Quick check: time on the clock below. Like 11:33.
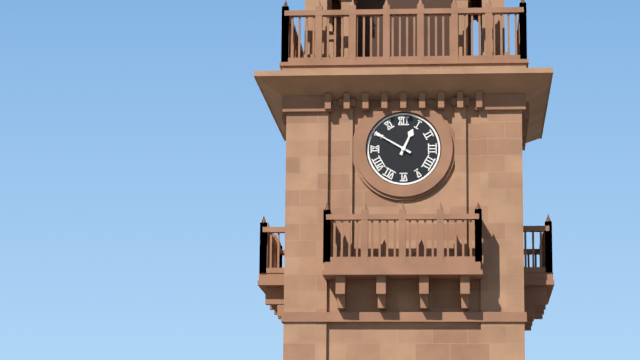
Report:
12:50
